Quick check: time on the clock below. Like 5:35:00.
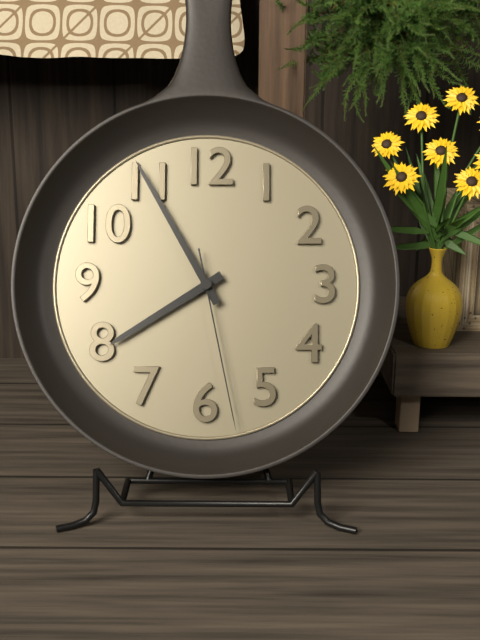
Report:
7:55:28
